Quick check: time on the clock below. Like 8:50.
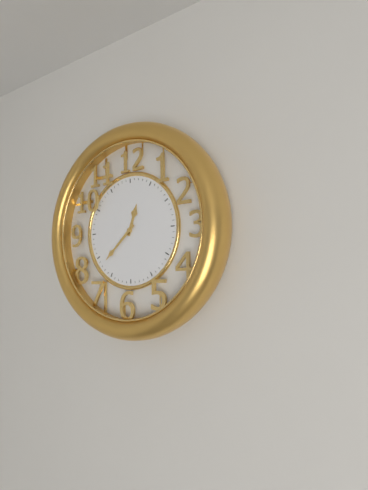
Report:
12:38
